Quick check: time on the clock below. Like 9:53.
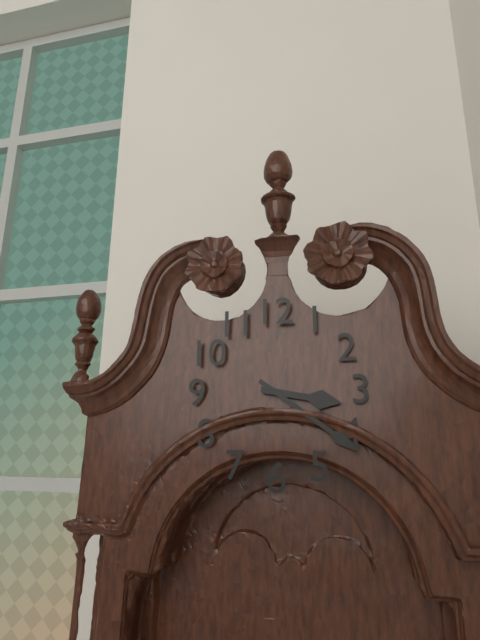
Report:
3:21
